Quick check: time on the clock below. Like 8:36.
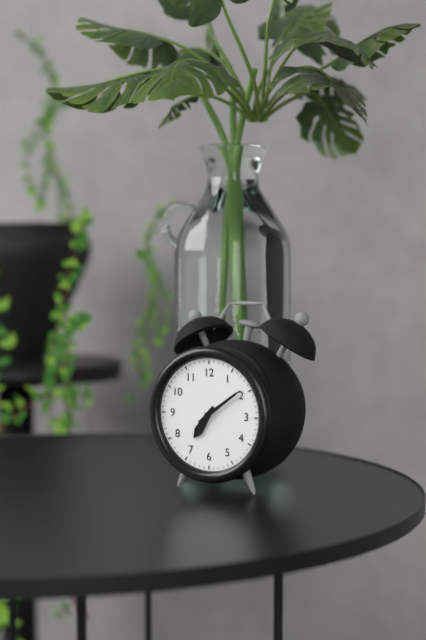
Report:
7:09
